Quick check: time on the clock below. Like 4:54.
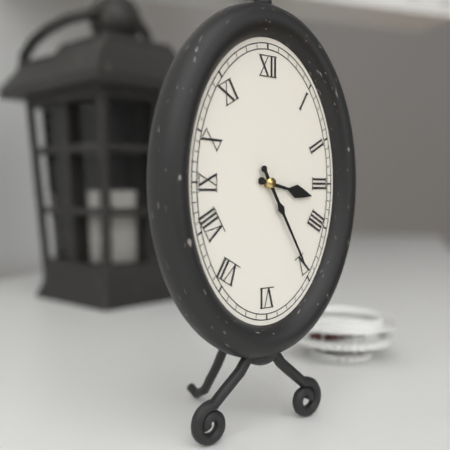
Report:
3:25
